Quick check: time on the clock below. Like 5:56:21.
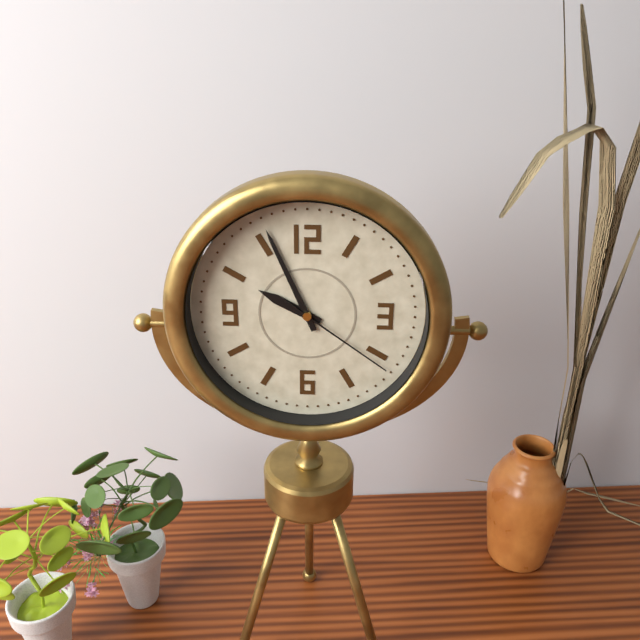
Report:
9:56:21
